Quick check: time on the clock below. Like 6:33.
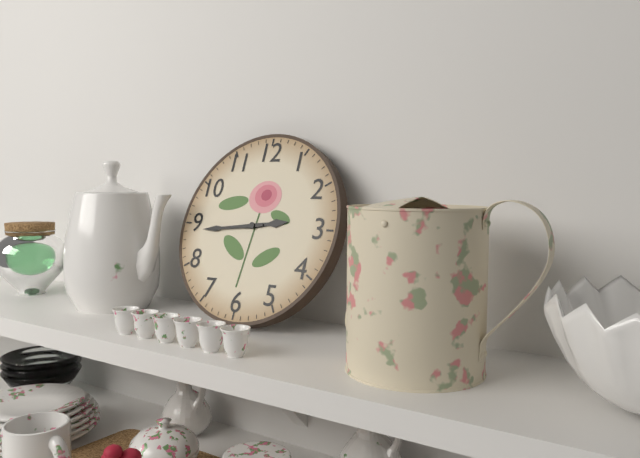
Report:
2:44
